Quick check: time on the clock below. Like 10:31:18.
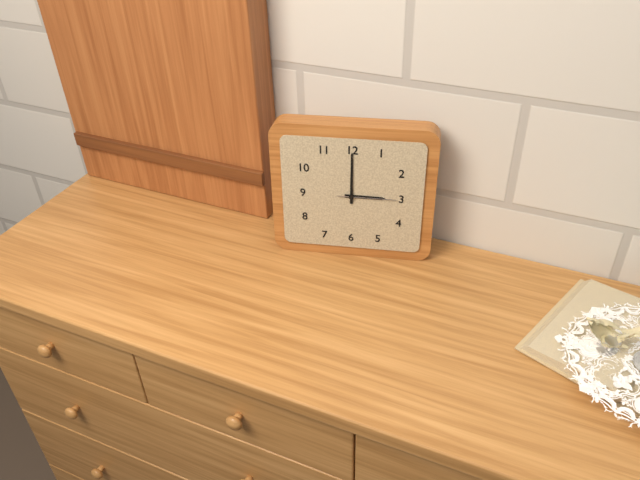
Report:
3:00:15
